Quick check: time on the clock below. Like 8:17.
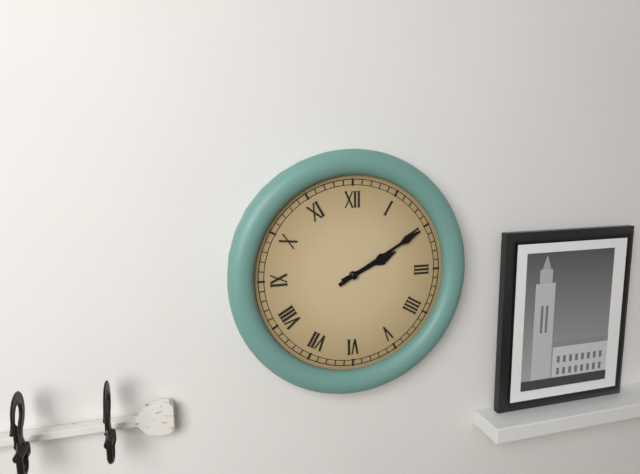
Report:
2:10
